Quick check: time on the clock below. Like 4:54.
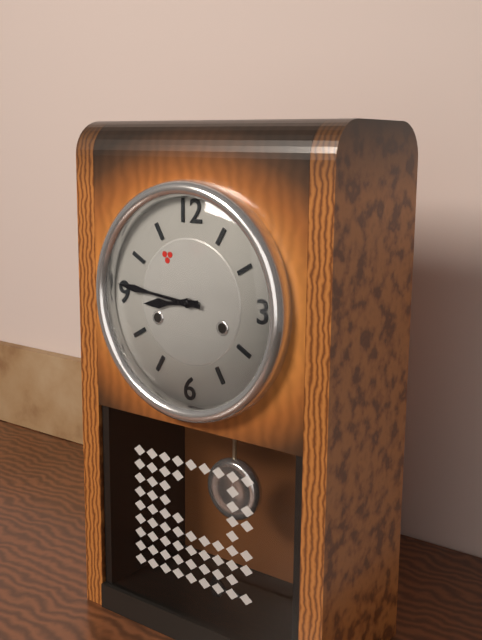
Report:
8:46
